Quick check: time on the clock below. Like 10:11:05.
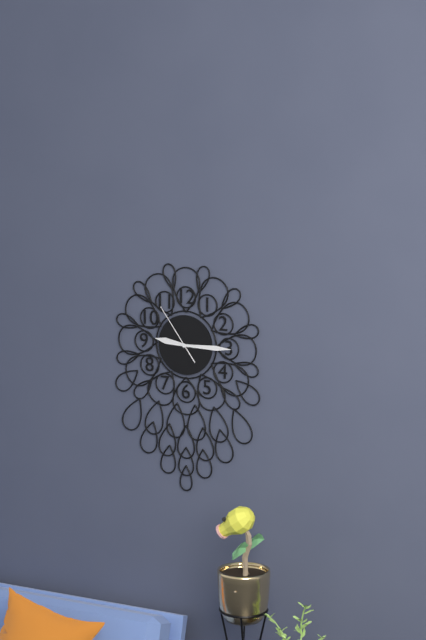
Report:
9:15:54
